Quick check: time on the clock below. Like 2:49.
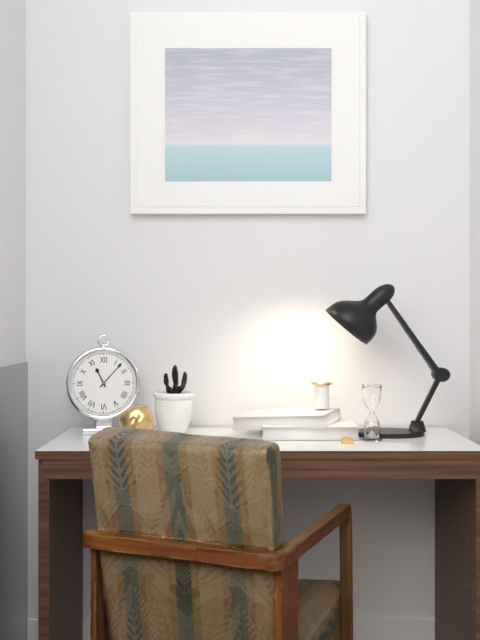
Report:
11:07
